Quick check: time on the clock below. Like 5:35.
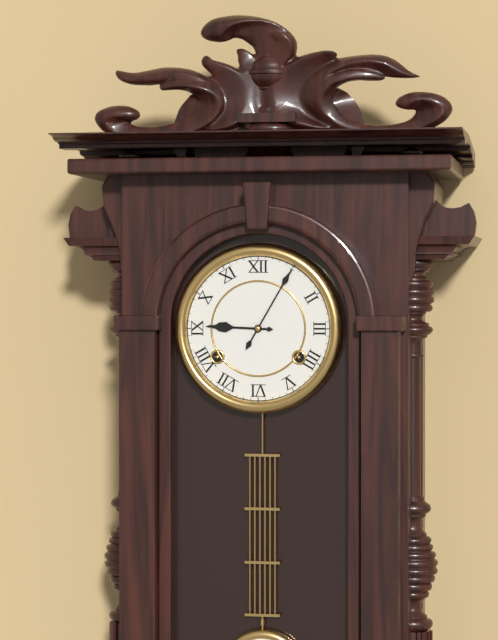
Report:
9:05
